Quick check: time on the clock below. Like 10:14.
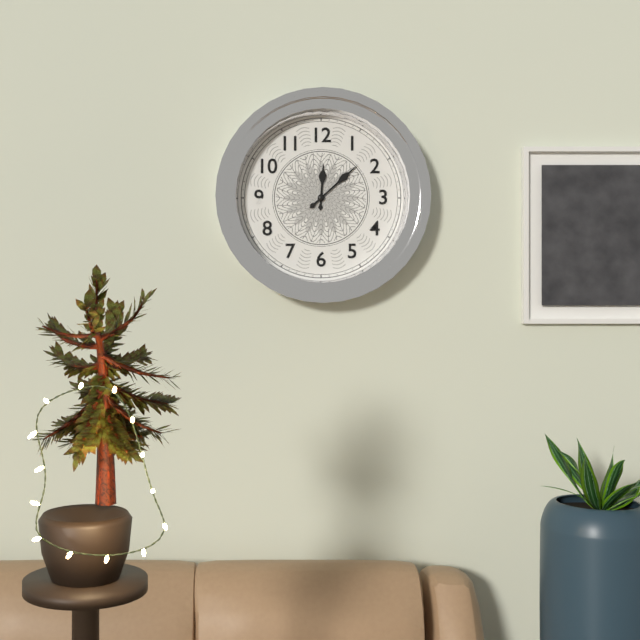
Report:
12:08
